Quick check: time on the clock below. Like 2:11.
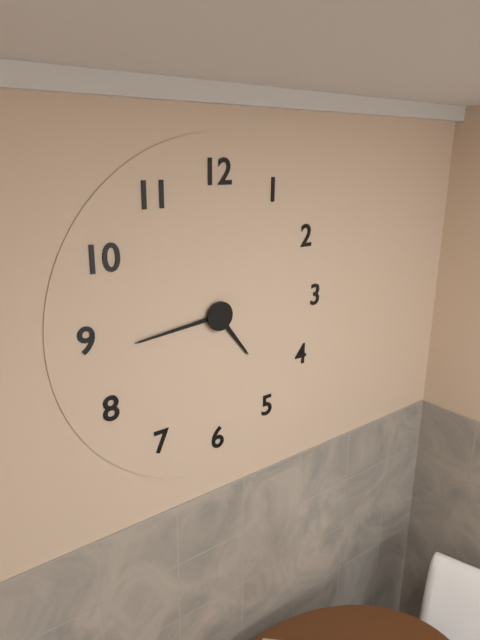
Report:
4:44
